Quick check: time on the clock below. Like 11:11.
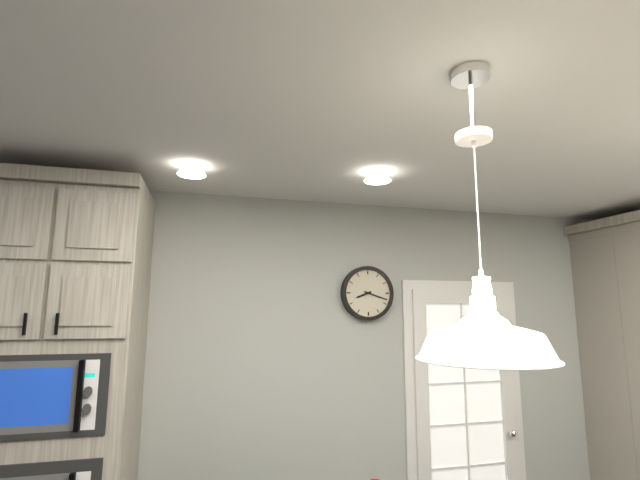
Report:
8:18
